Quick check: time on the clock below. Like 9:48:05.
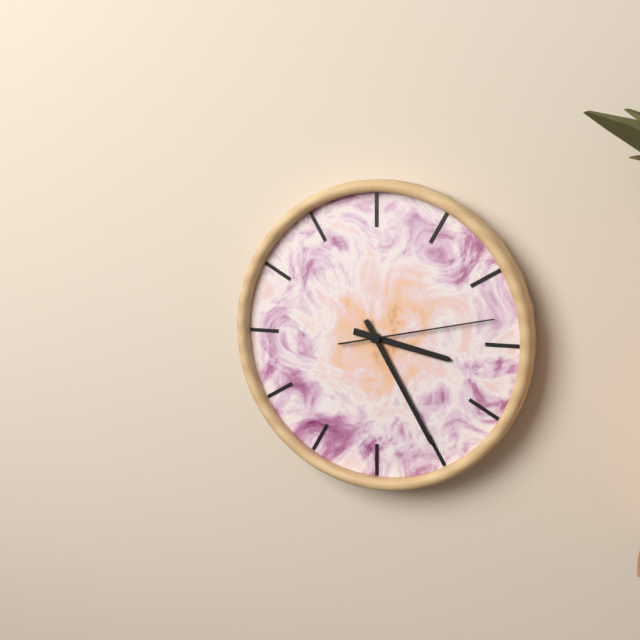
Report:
3:25:13
